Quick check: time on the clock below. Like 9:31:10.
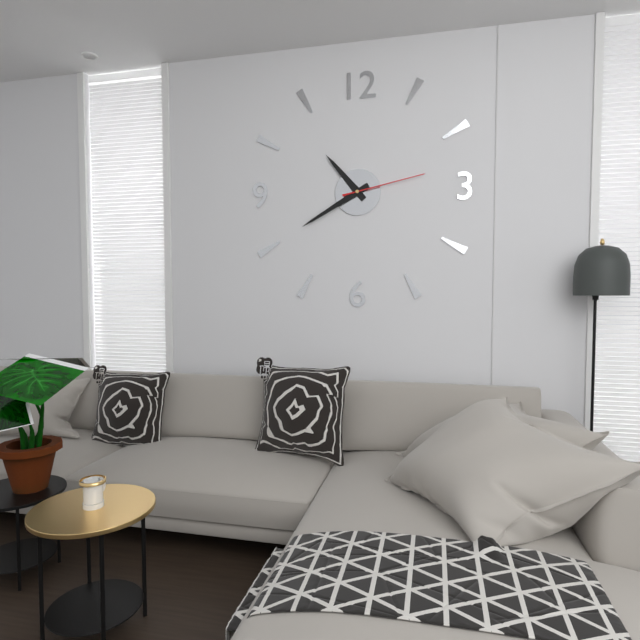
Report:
10:40:13
